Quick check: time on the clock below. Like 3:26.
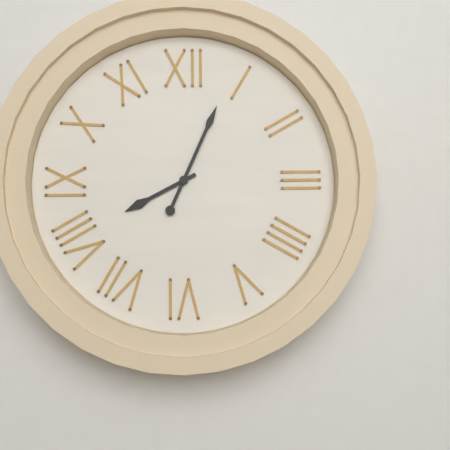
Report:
8:04
